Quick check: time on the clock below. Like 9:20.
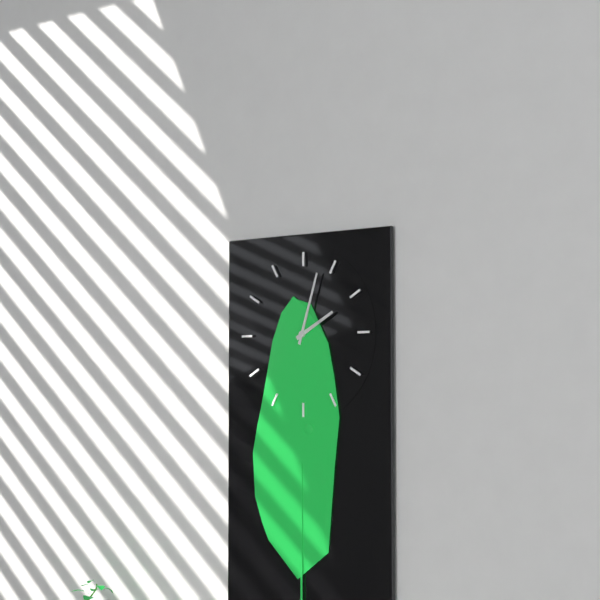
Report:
2:03
